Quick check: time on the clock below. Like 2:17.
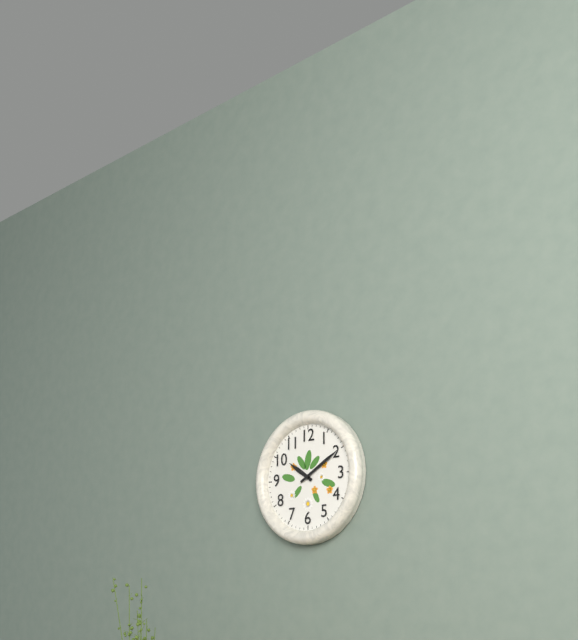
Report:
10:10
